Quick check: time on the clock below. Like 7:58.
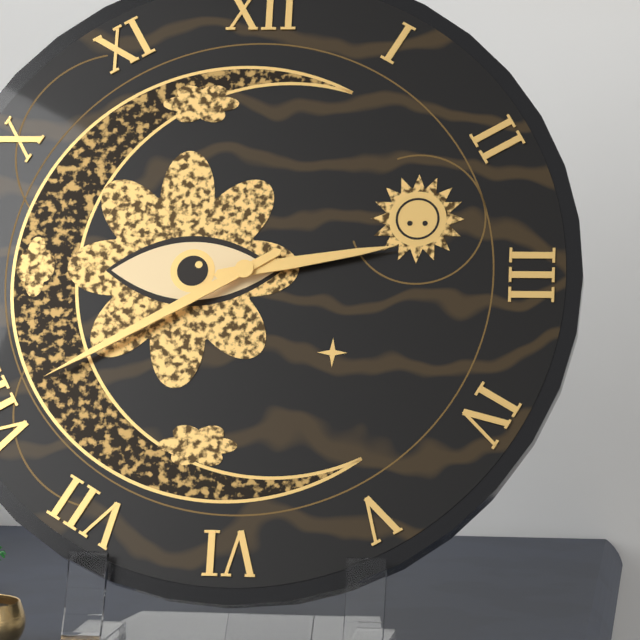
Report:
2:40
